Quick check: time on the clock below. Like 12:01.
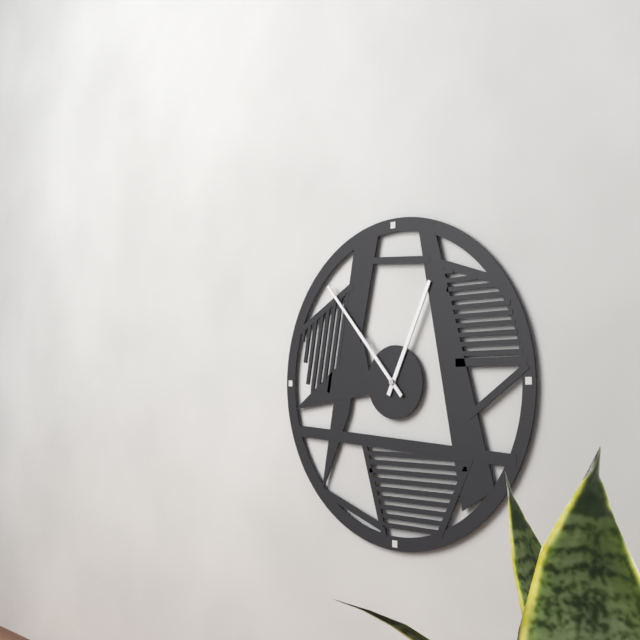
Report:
12:53
